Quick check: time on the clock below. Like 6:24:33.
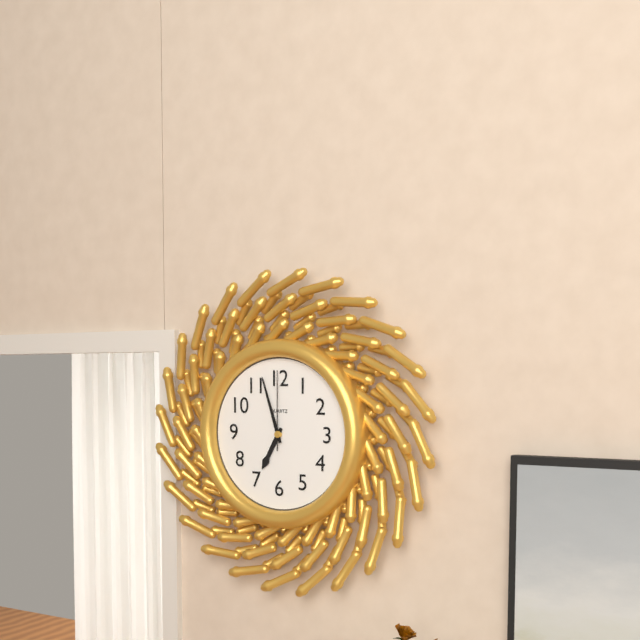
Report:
6:57:00
